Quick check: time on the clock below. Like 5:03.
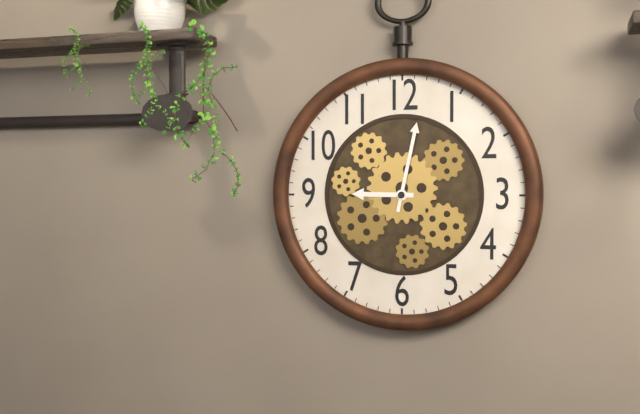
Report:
9:02
